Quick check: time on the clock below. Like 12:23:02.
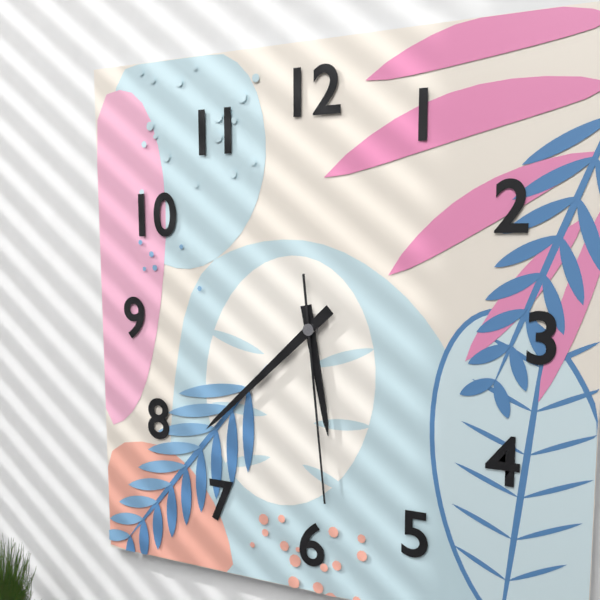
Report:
5:38:29
